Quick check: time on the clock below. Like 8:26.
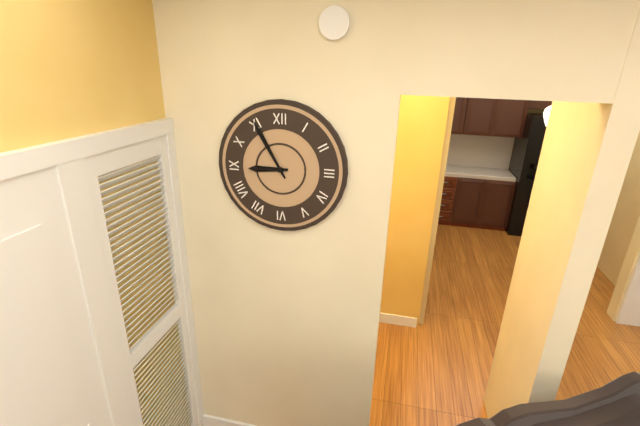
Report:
8:55
